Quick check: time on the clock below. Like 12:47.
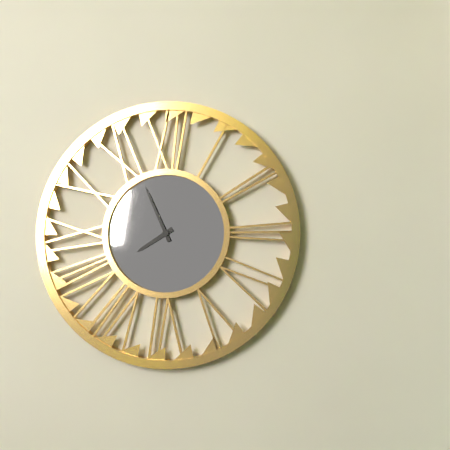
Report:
7:56
